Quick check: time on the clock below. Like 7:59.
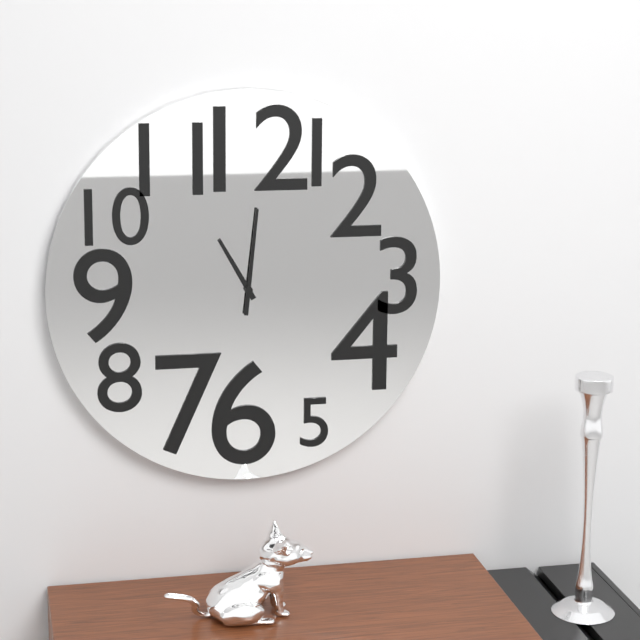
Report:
11:01
